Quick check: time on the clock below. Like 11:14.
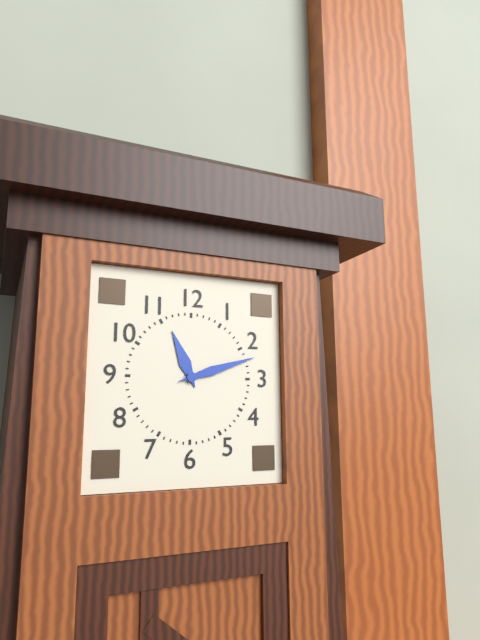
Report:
11:12
